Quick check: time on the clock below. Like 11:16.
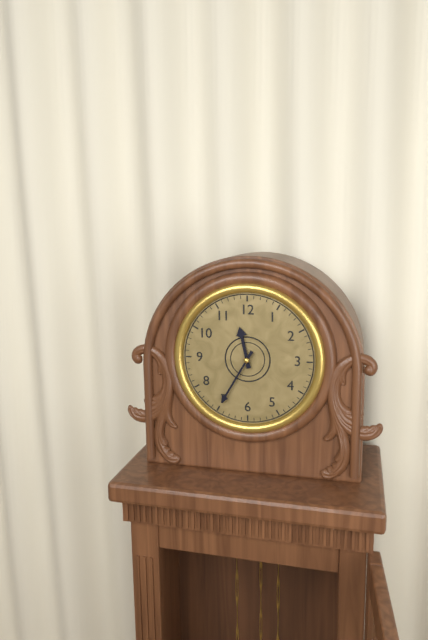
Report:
11:35
